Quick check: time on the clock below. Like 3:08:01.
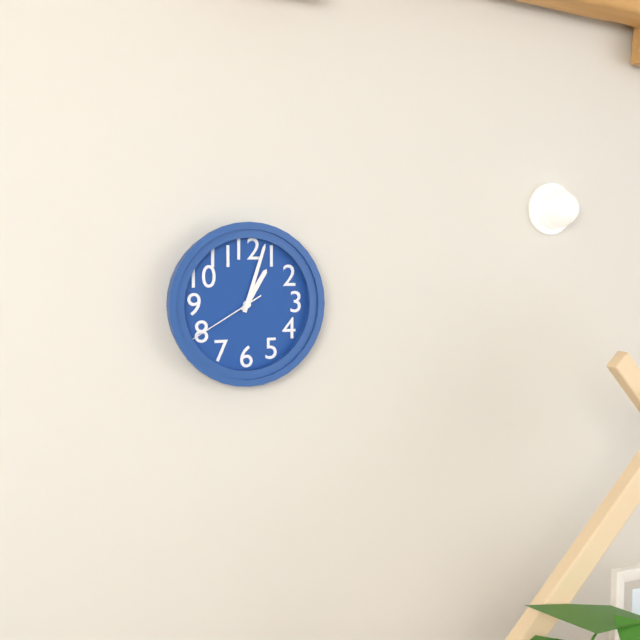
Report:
1:03:40
